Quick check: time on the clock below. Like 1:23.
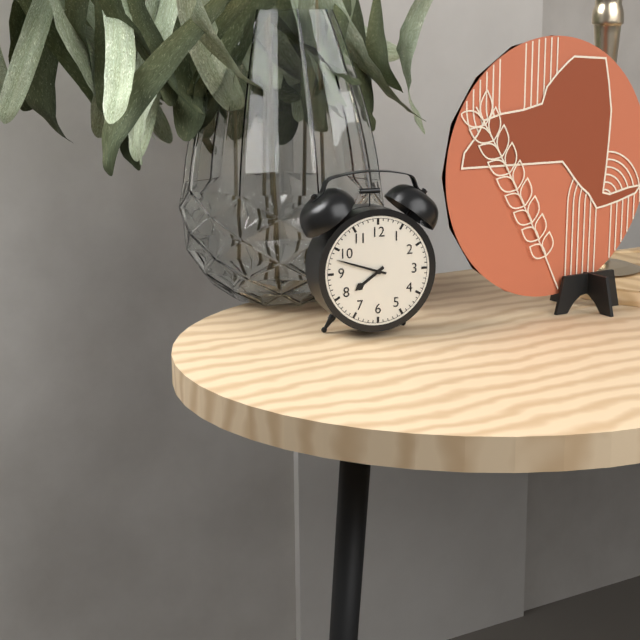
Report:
7:48
